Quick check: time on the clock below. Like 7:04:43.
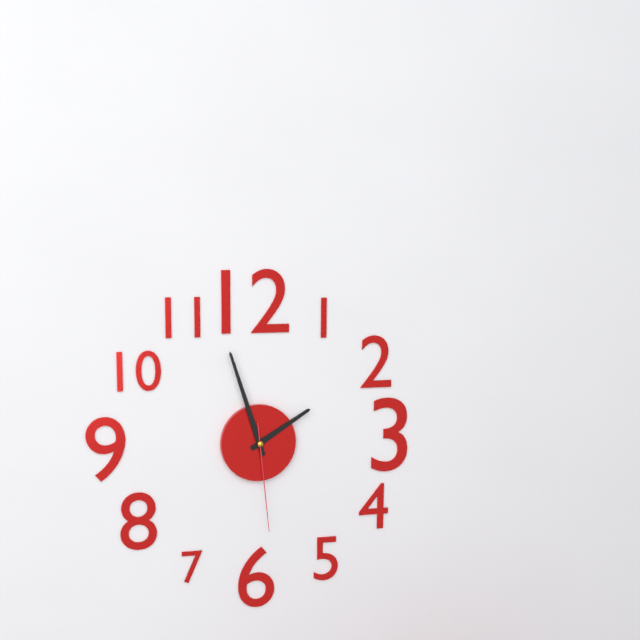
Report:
1:57:29
